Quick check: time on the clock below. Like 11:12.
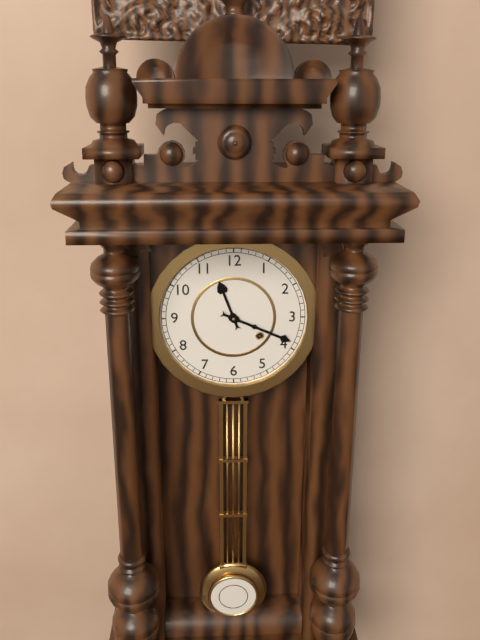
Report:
11:19
